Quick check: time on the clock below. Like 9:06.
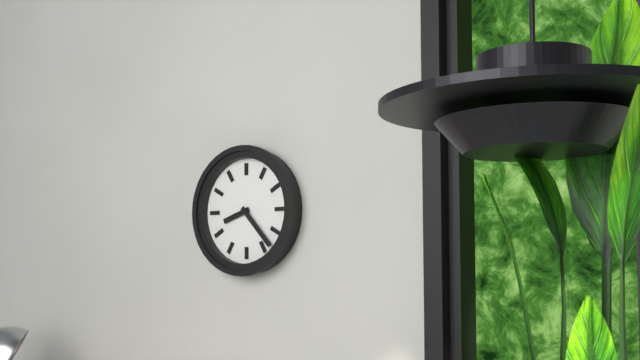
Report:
8:23
